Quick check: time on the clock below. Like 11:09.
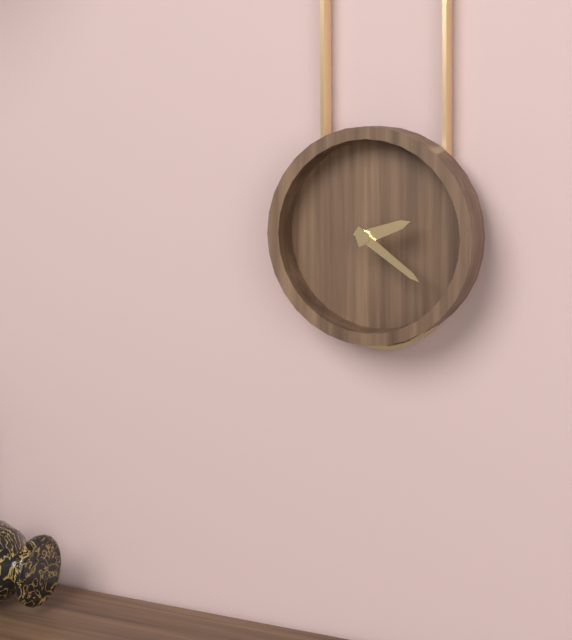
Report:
2:21
